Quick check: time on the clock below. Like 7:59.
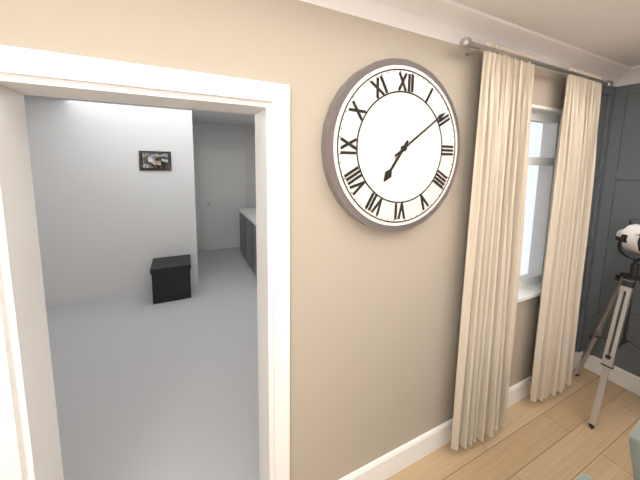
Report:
7:09
